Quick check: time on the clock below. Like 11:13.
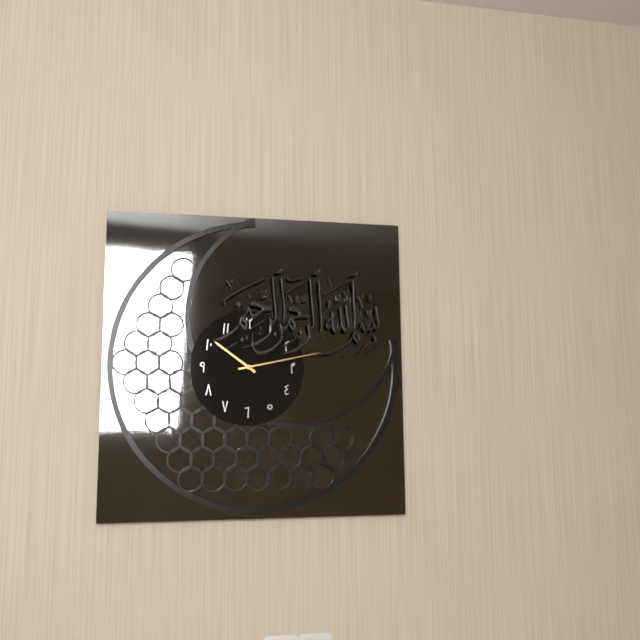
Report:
10:13
